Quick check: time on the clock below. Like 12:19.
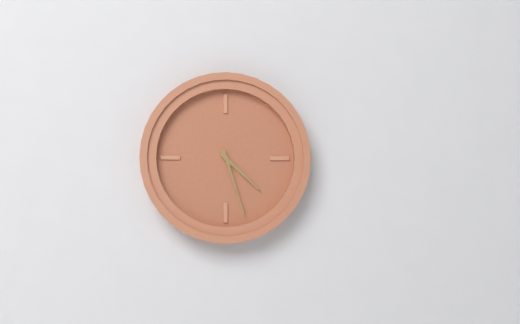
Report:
4:27
